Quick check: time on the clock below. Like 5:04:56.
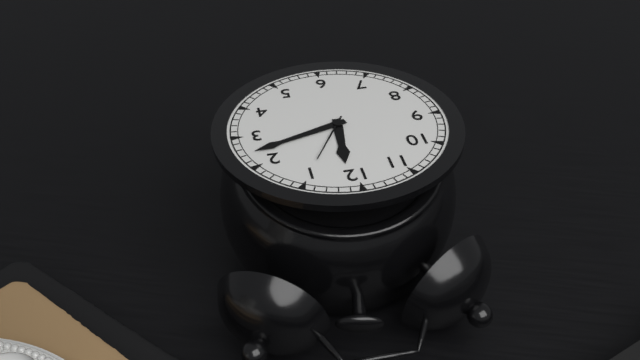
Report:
12:12:05
